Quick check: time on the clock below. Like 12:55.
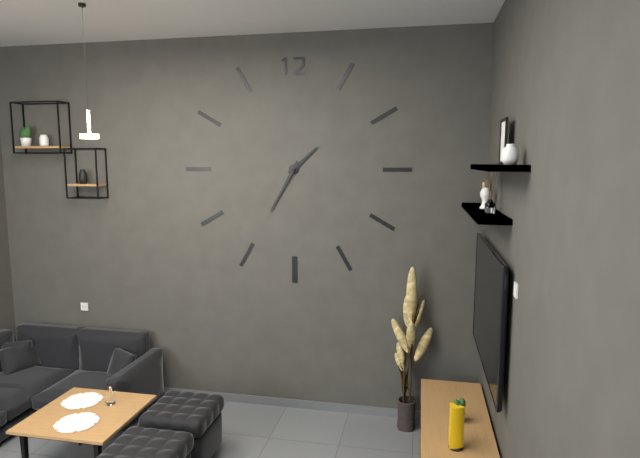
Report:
1:35
